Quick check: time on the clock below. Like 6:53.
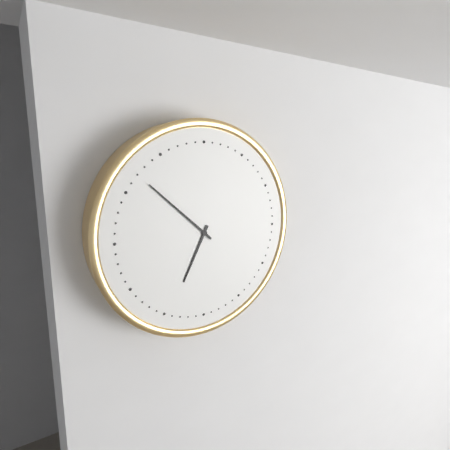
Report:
6:52
